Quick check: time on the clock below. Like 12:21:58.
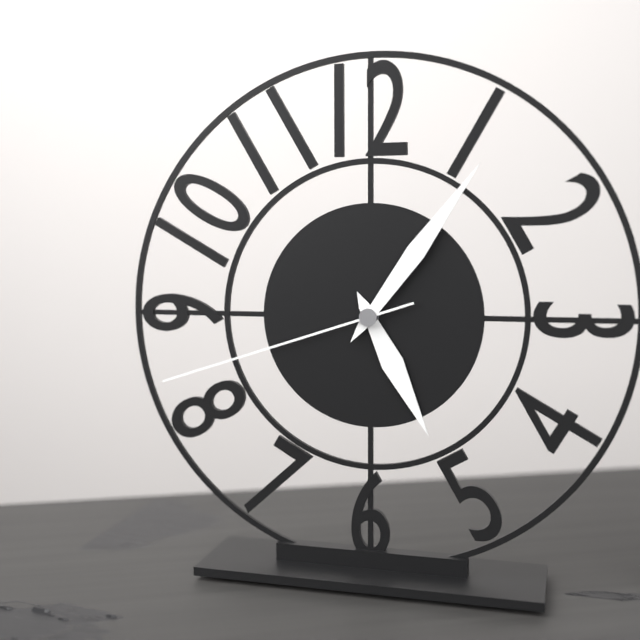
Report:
5:06:42
